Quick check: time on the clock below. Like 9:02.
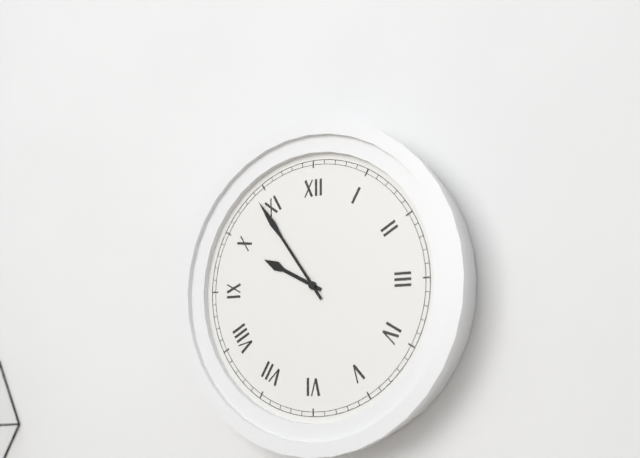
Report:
9:54
